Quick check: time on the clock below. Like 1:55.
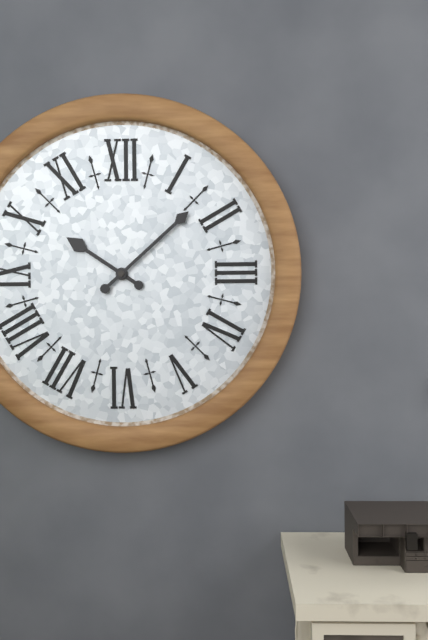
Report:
10:08
